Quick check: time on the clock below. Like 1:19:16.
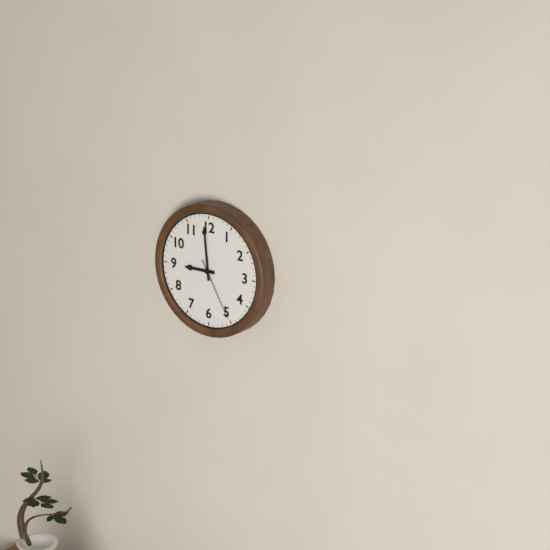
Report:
8:59:25
